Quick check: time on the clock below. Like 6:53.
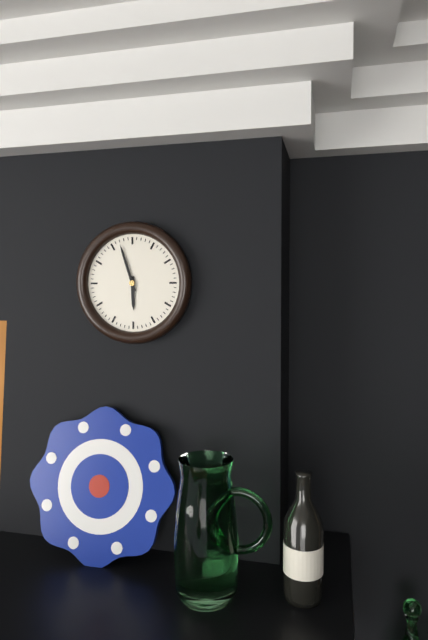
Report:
5:57
